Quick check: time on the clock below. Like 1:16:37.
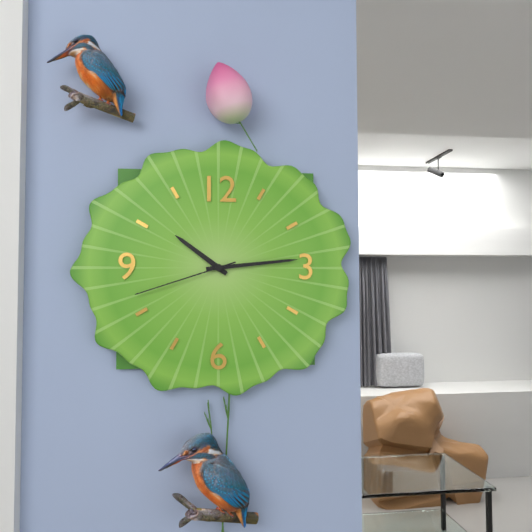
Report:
10:14:42
